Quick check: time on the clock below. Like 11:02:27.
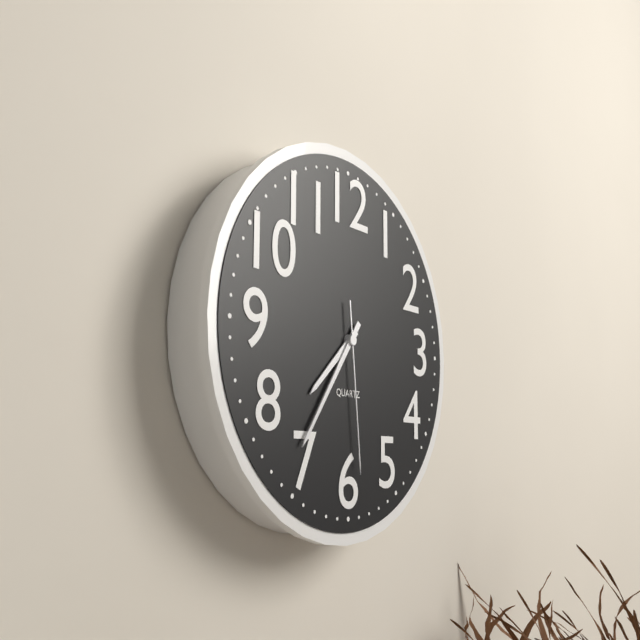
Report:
7:36:29
